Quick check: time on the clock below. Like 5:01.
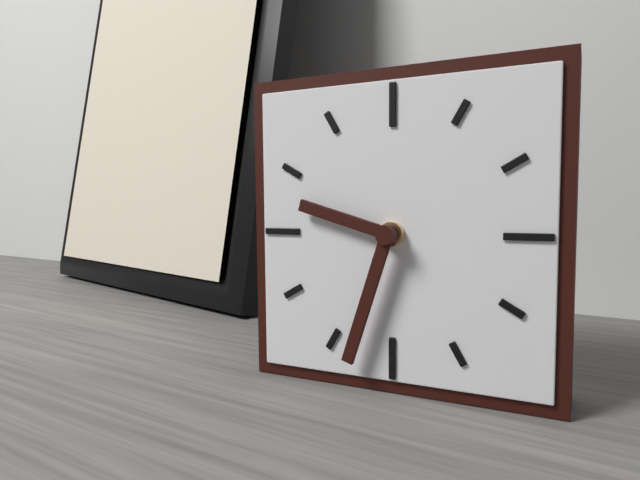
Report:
9:33
